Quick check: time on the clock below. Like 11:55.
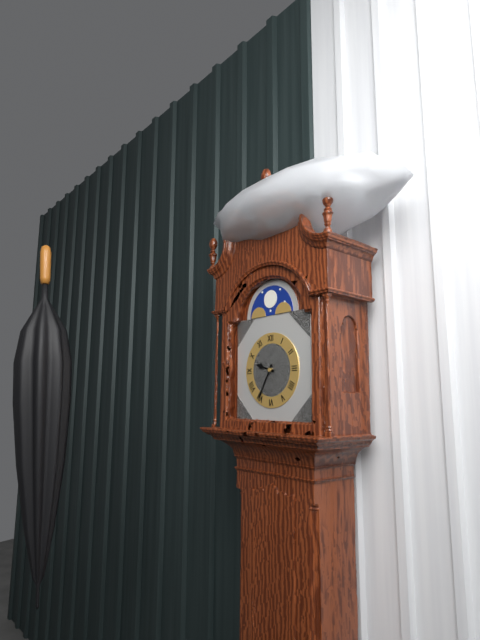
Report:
9:35
